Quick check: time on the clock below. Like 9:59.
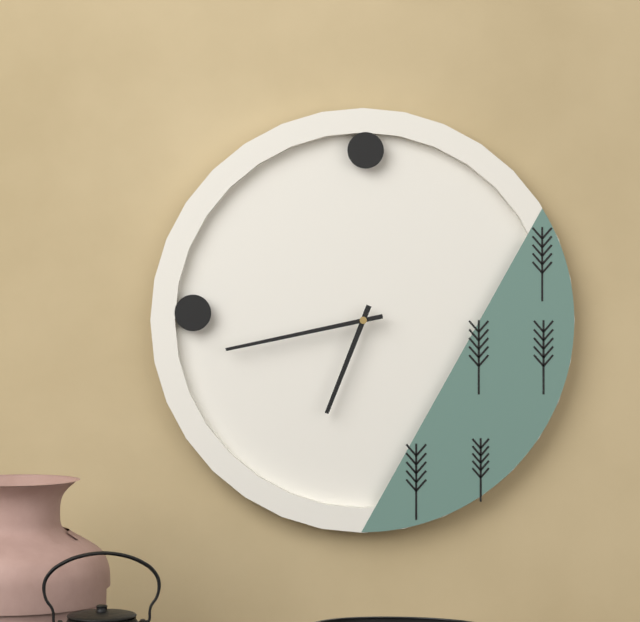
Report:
6:43
